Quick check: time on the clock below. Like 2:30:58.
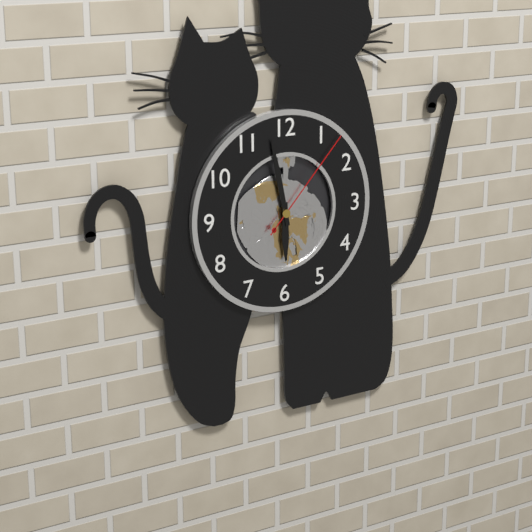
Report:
5:58:07
